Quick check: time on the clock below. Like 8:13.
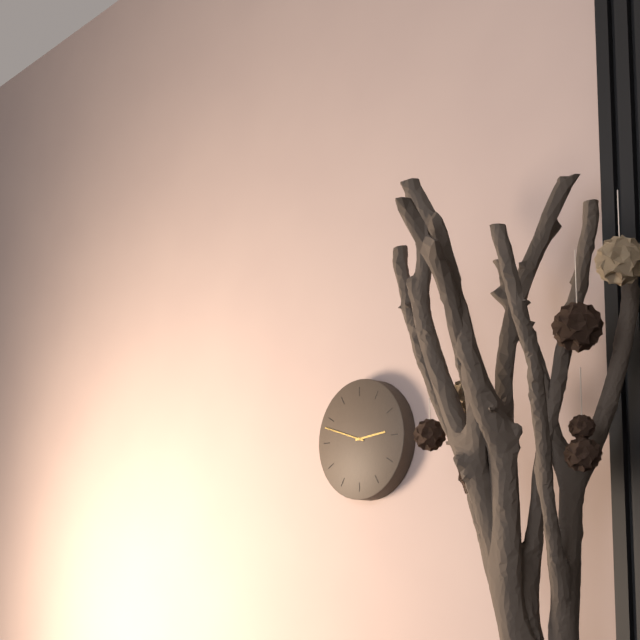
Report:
2:48
